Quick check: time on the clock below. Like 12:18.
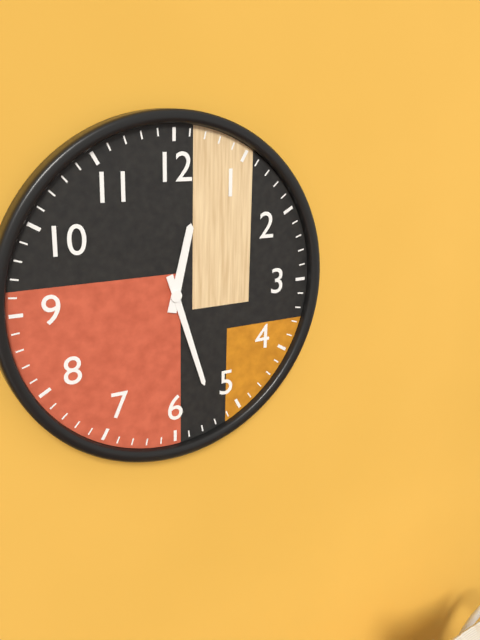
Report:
12:27
